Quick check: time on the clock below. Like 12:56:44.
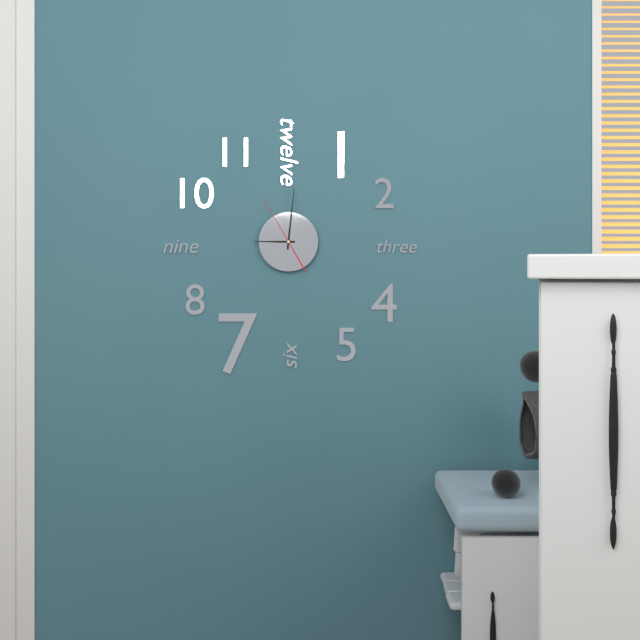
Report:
9:01:55
